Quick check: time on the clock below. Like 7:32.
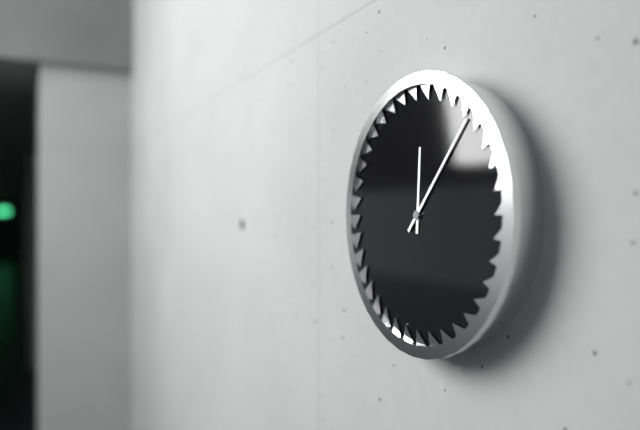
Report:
12:07
